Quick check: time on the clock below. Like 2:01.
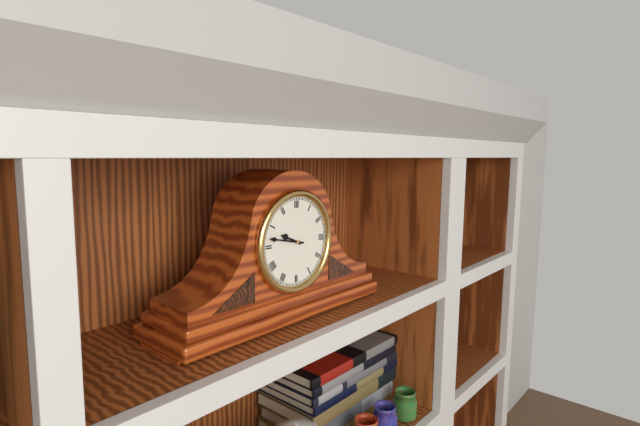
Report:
9:47
